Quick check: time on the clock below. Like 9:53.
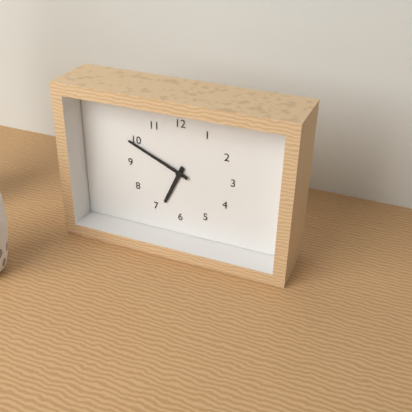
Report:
6:49
